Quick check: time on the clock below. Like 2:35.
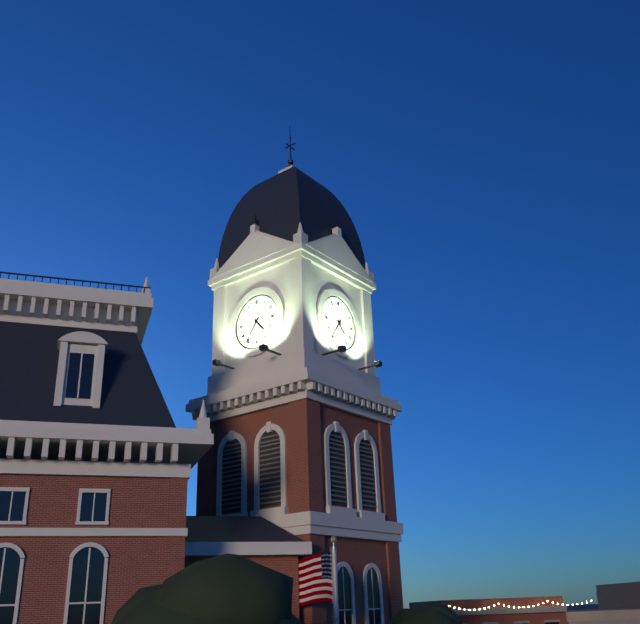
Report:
4:36
